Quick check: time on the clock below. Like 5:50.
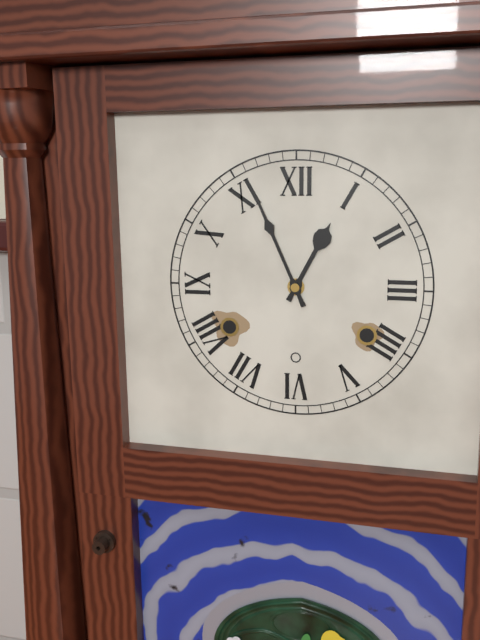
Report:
12:56
